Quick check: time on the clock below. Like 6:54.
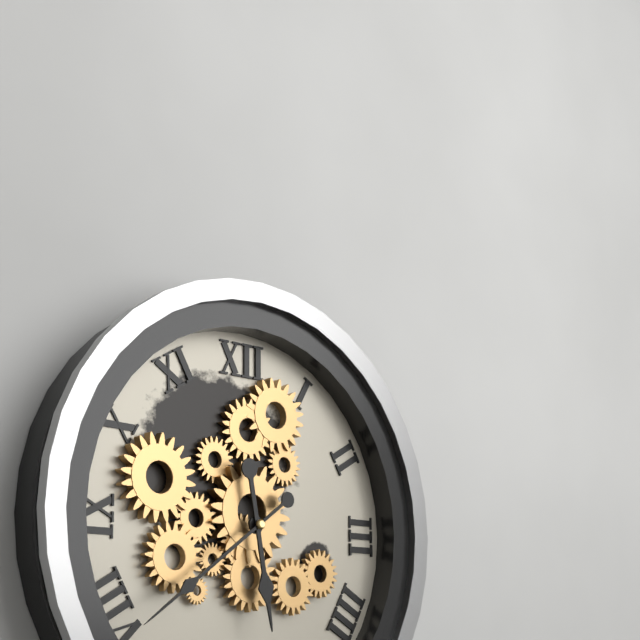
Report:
5:39
